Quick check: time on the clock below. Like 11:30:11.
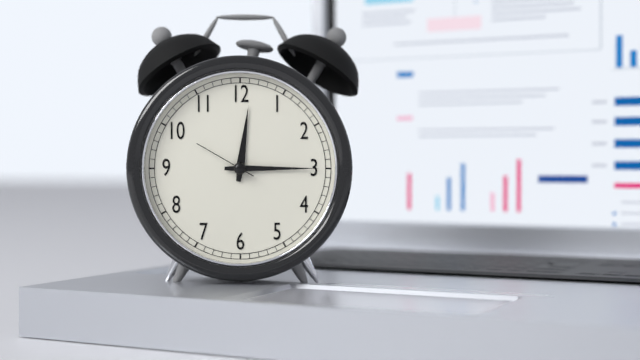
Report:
12:15:50
